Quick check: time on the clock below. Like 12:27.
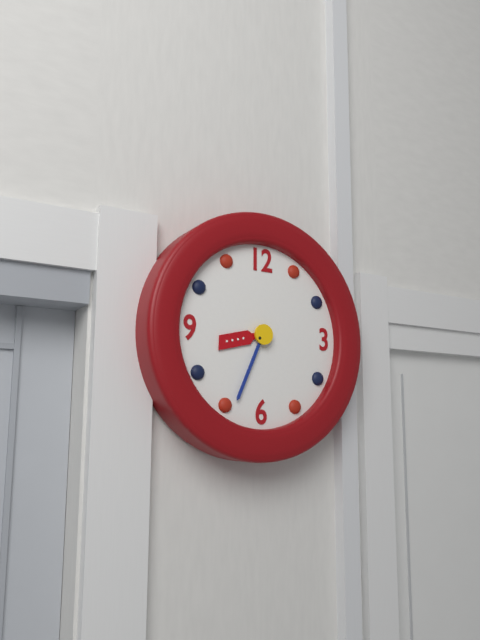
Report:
8:34
